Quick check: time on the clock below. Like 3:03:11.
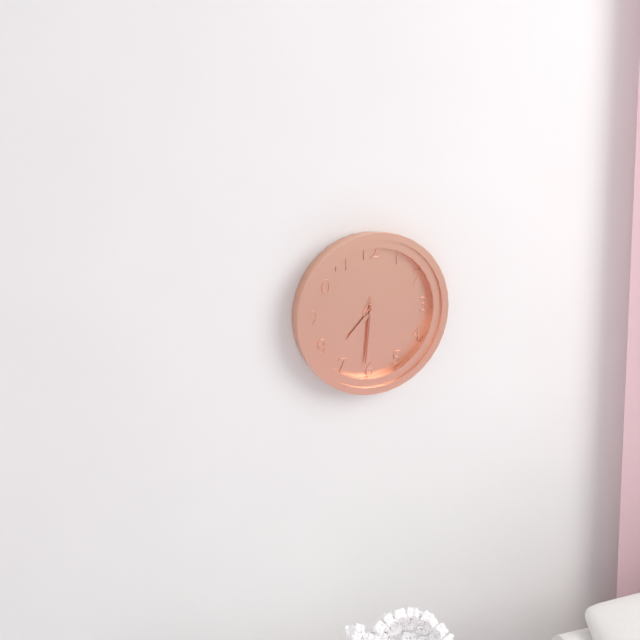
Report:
7:31:31
